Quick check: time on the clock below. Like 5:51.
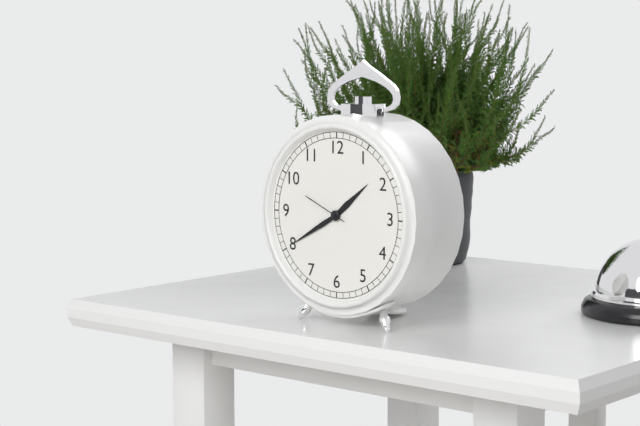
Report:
1:40
